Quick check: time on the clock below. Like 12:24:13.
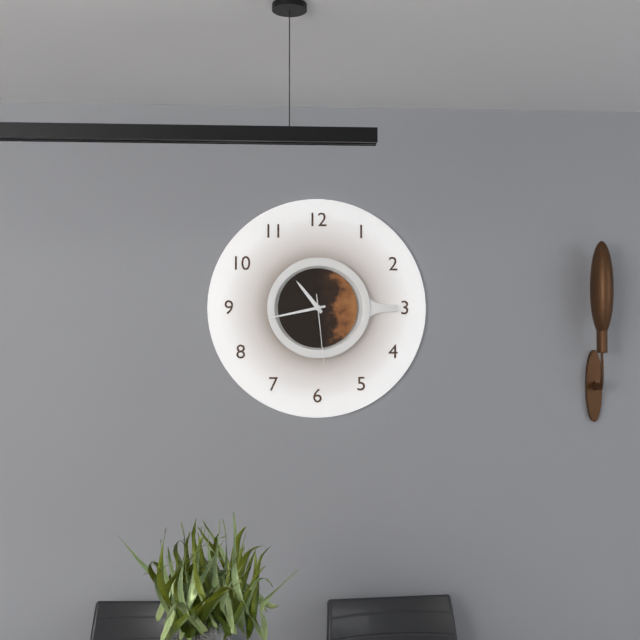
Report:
10:43:29
